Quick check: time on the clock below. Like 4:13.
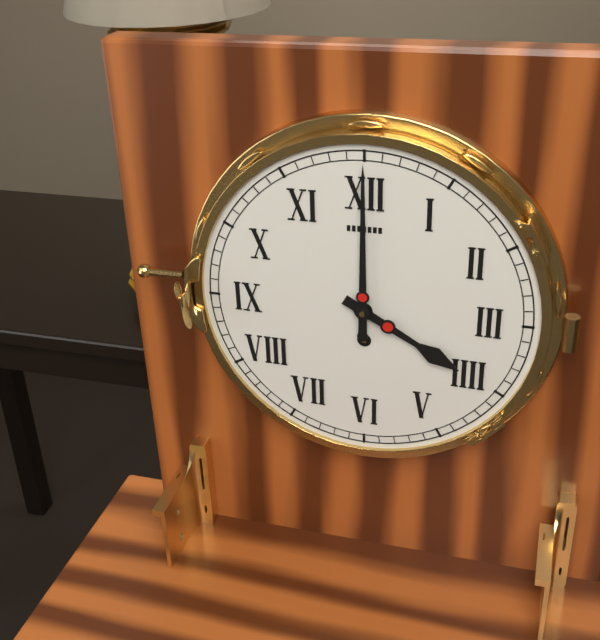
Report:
4:00
